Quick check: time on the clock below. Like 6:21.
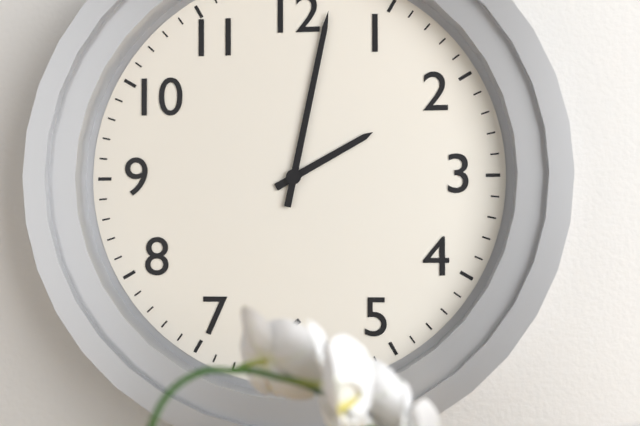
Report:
2:02
